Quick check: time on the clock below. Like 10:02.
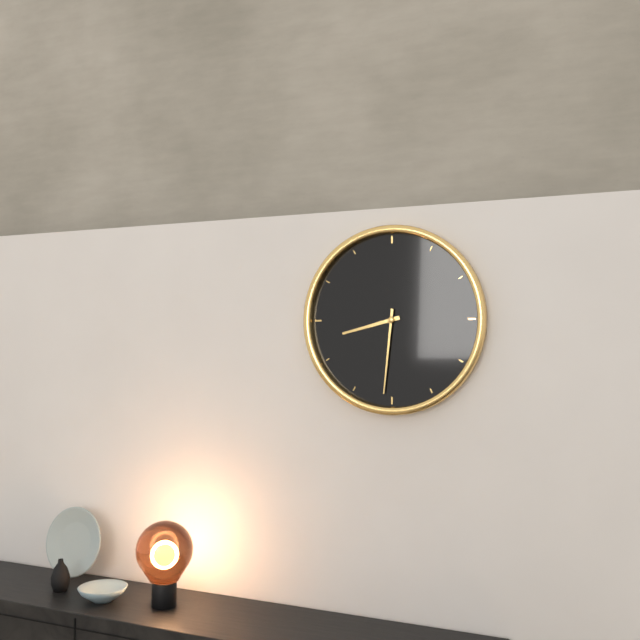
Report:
8:31
